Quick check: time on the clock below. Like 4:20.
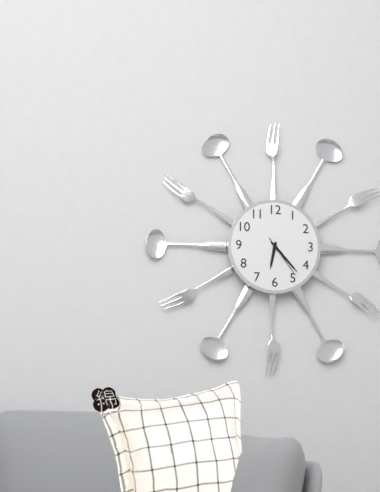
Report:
6:23
